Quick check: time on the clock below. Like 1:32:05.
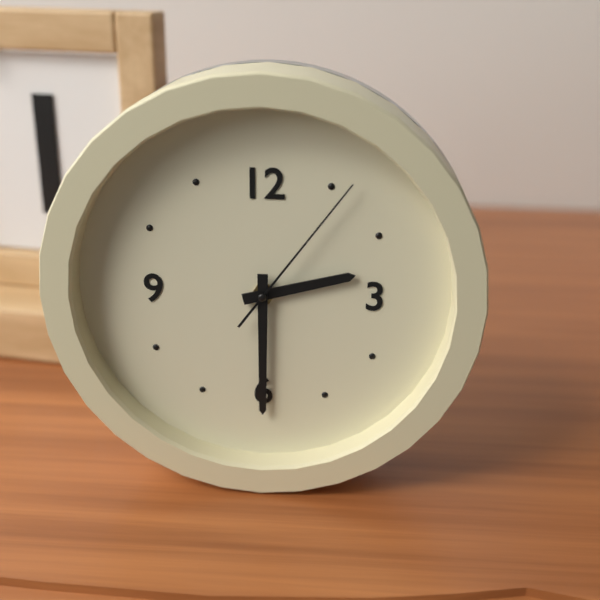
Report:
2:30:06
